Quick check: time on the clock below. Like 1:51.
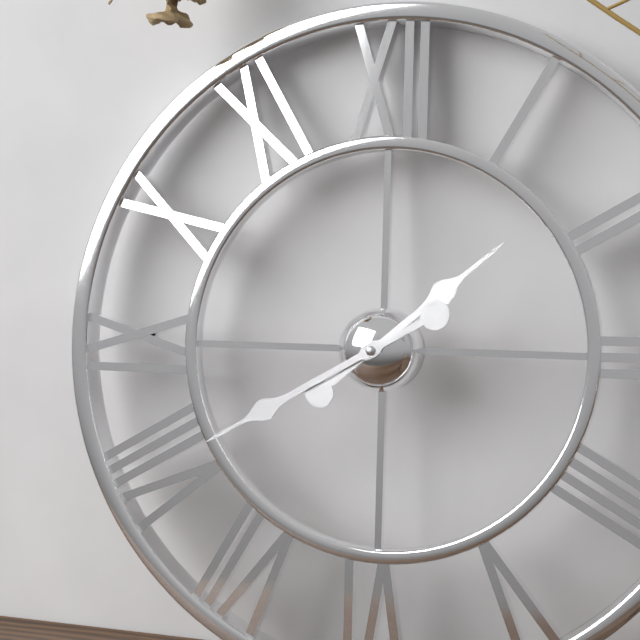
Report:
1:40
